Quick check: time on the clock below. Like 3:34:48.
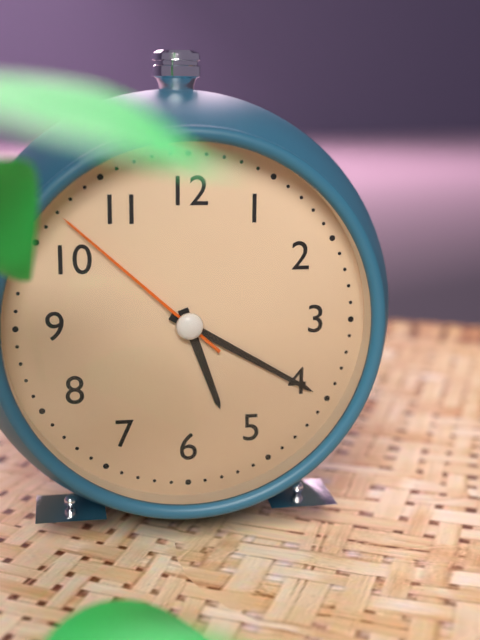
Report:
5:20:52
